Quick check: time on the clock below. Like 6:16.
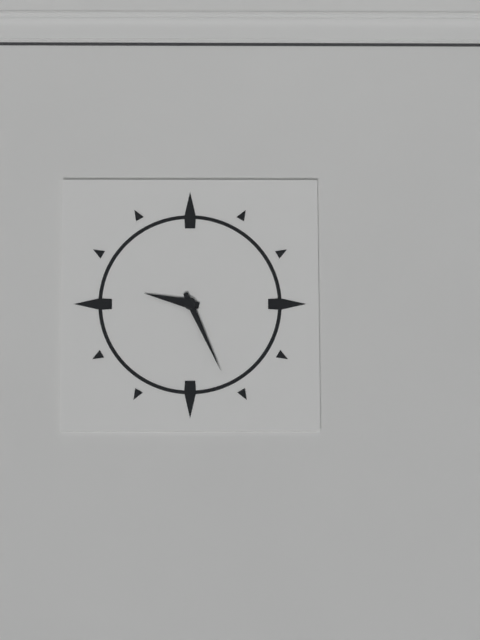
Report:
9:26
